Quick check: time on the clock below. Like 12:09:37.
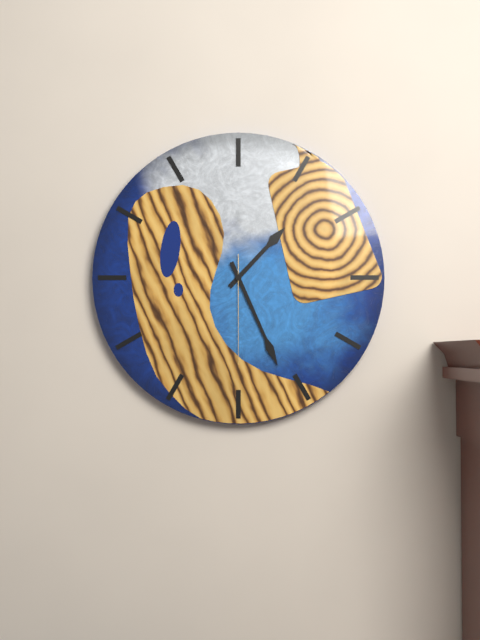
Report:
1:26:30
